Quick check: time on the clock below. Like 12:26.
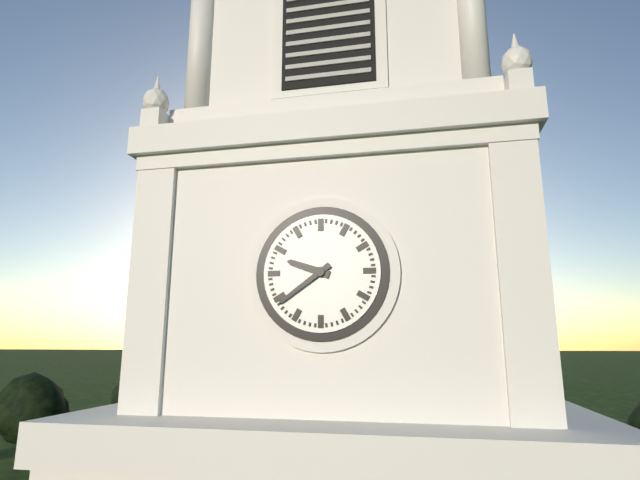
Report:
9:39
